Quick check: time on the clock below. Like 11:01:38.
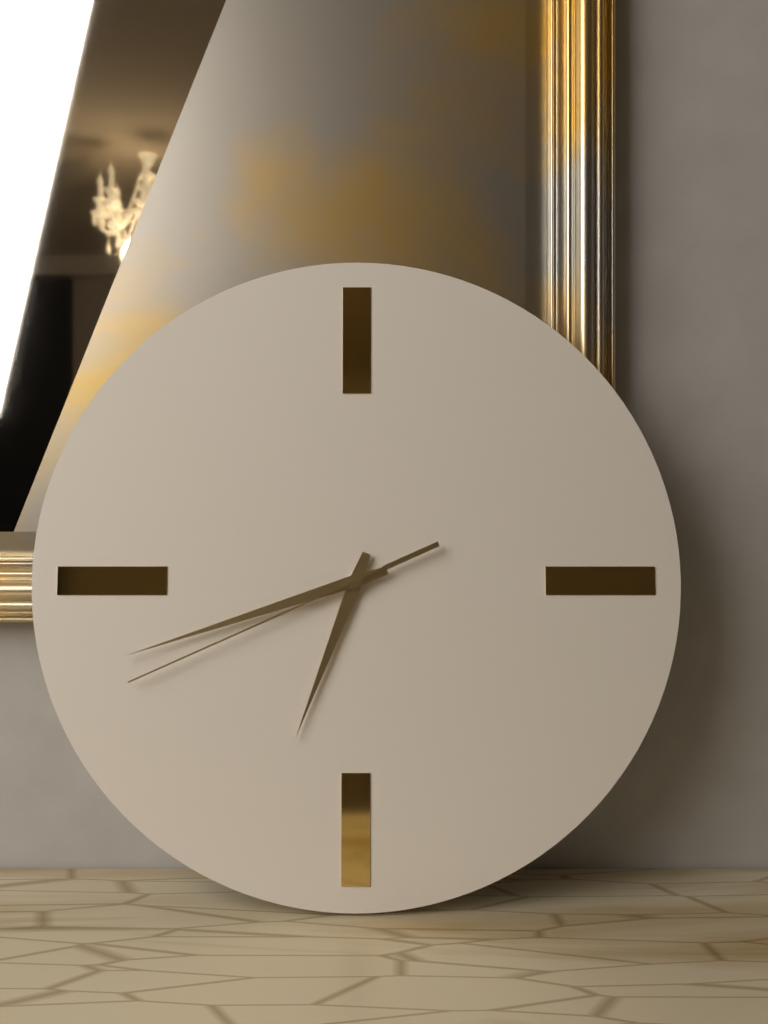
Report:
6:42:41
